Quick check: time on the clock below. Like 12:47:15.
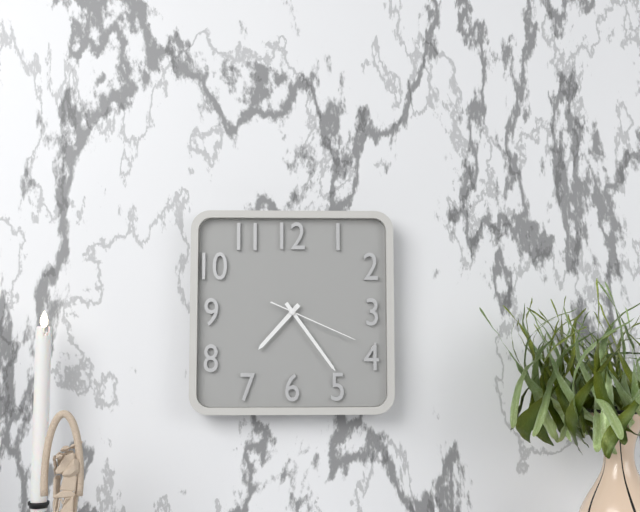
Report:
7:24:19
